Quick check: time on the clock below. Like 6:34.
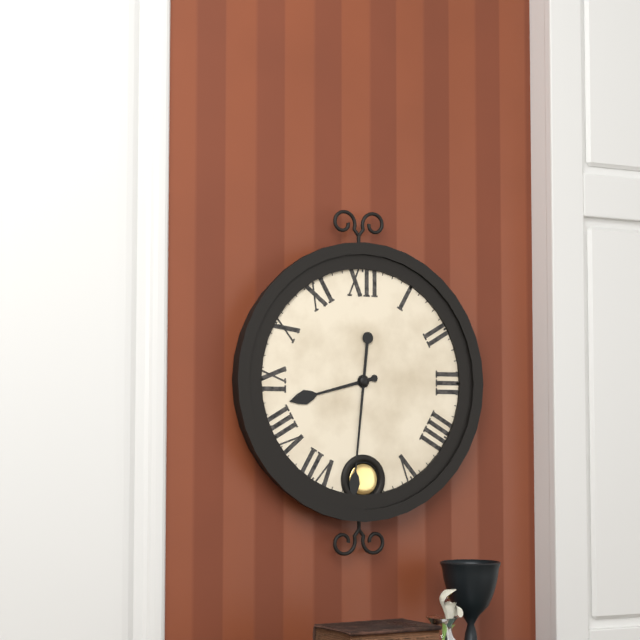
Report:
8:31
